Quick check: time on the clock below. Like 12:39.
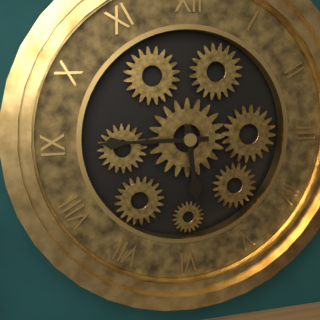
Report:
5:45
